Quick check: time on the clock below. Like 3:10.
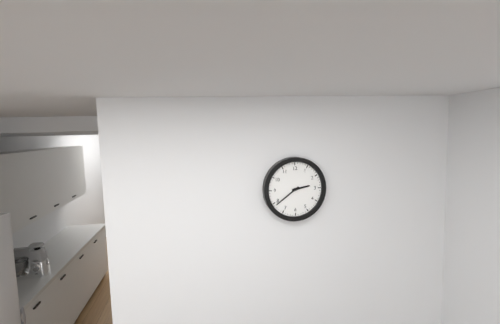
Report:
2:39
